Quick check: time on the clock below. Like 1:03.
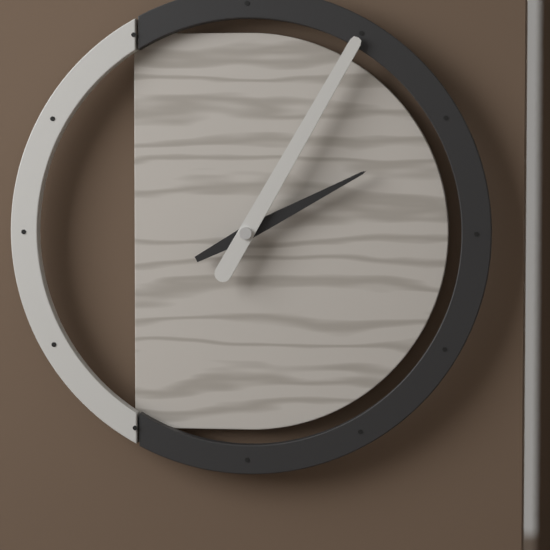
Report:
2:05
